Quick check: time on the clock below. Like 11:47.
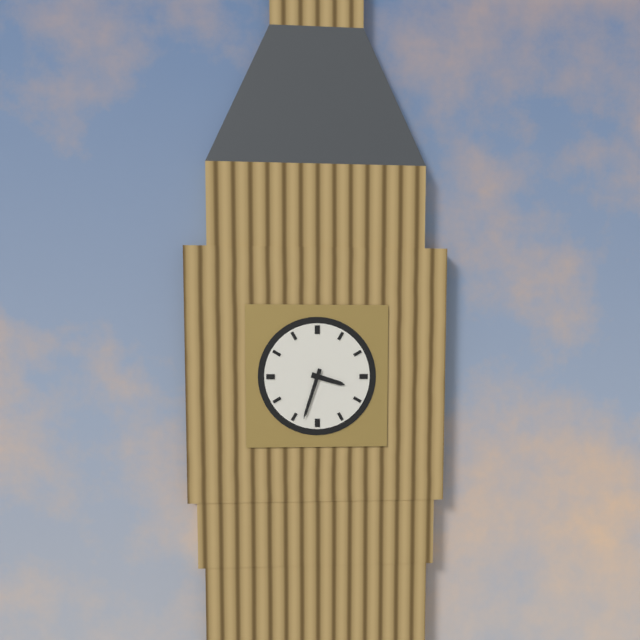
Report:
3:33
